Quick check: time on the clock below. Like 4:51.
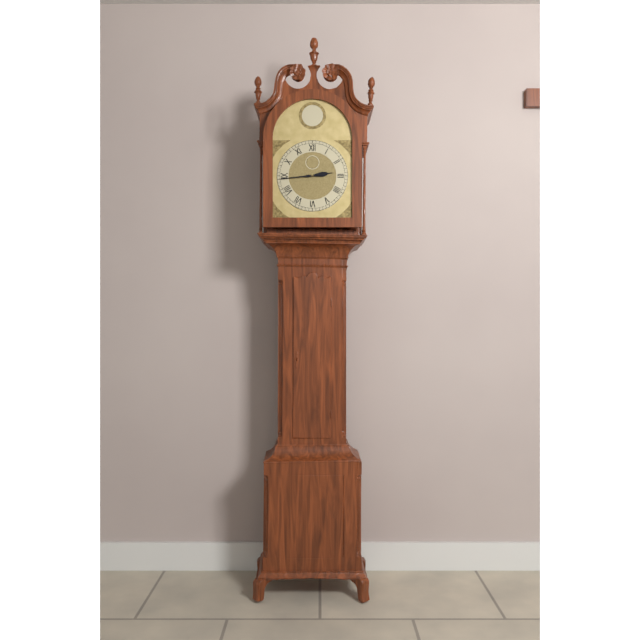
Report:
2:44
